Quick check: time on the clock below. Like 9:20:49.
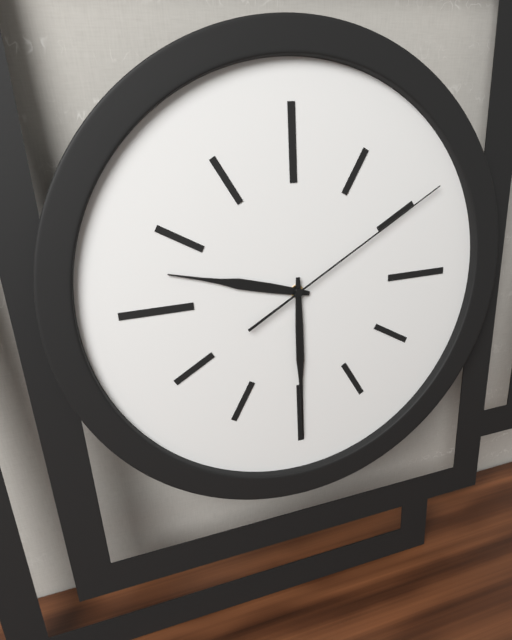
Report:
9:30:10
